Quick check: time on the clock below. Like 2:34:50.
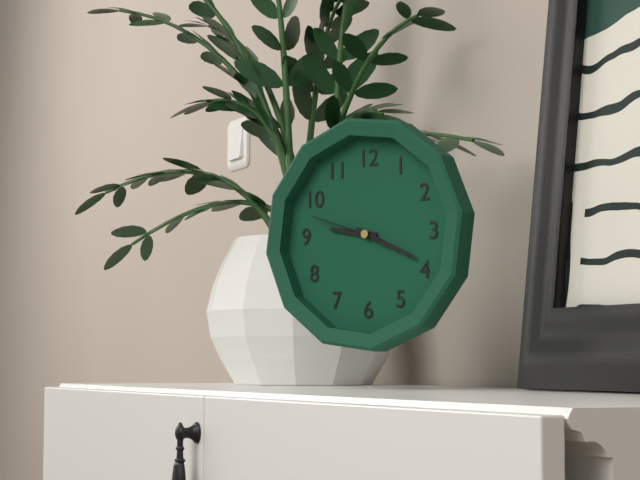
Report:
9:19:48
